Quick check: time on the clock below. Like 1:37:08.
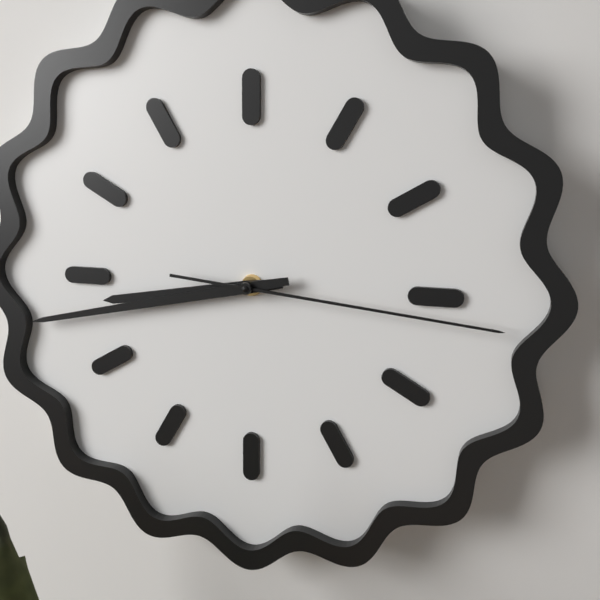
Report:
8:43:16
